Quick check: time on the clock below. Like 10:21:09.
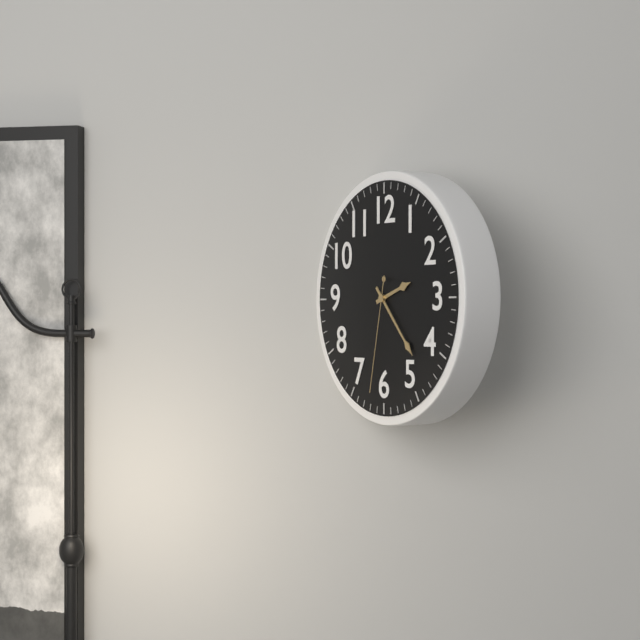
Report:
2:23:32
